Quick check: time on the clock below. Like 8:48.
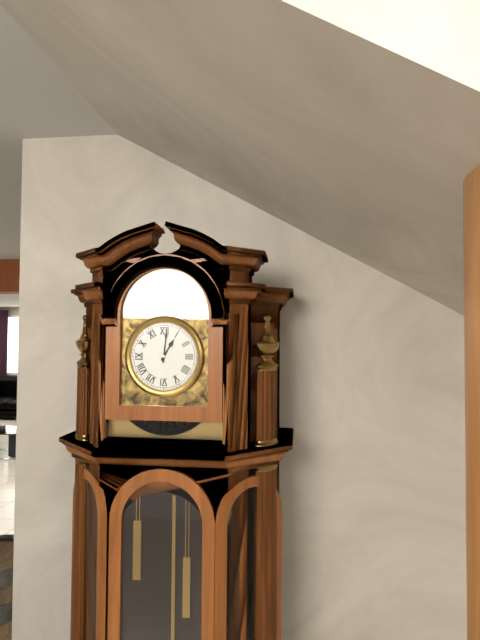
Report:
1:01
